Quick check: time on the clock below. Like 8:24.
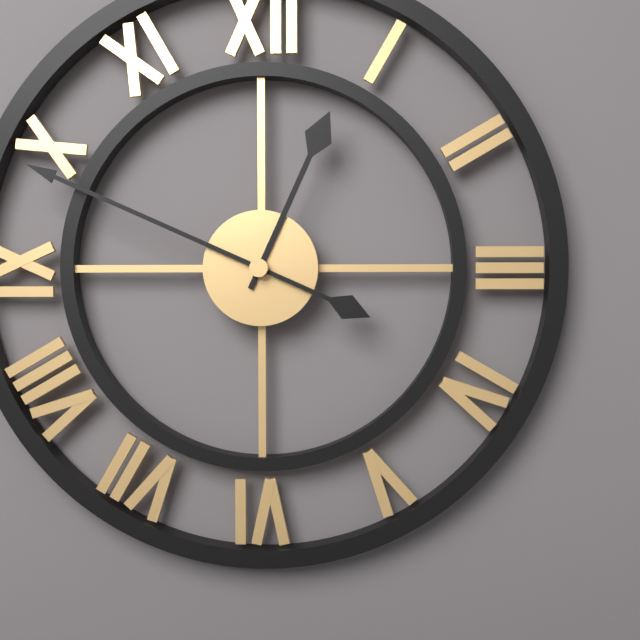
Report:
12:49
